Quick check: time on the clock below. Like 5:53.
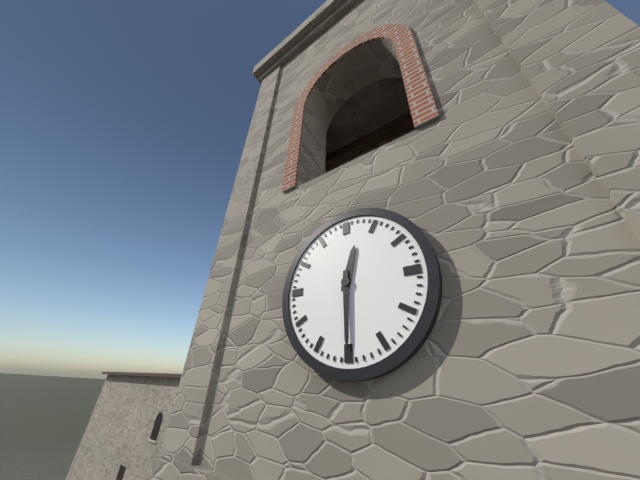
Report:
12:30
